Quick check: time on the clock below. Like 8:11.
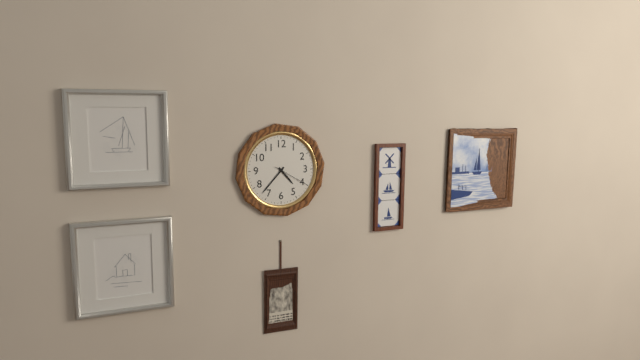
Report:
4:37
